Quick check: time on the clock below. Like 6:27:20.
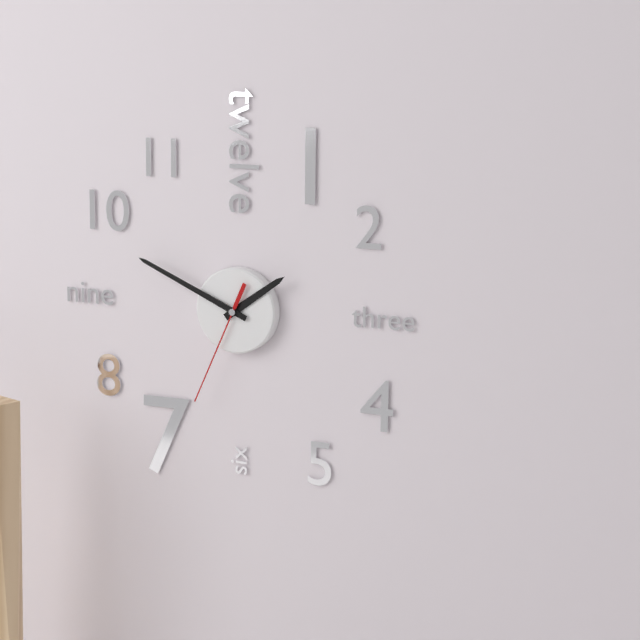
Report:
1:49:34
